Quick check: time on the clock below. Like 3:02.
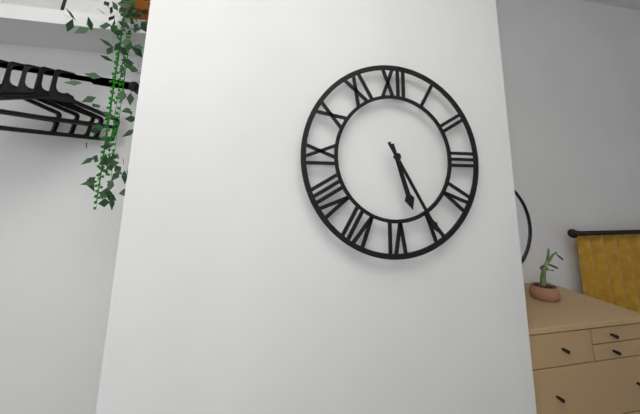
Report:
5:25
